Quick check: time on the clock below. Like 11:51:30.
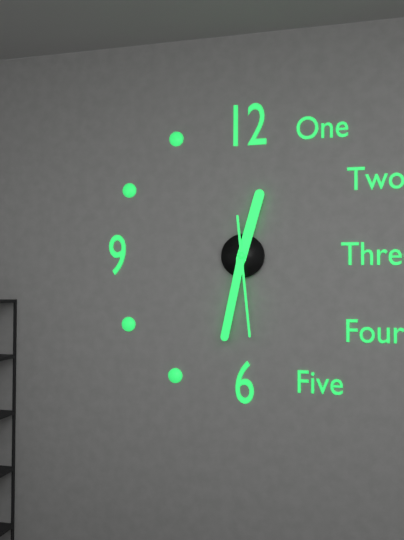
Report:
12:32:29
